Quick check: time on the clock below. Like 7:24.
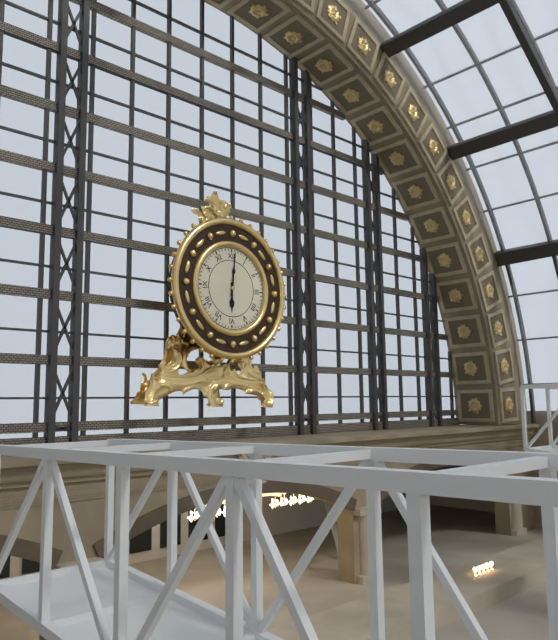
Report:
6:01
